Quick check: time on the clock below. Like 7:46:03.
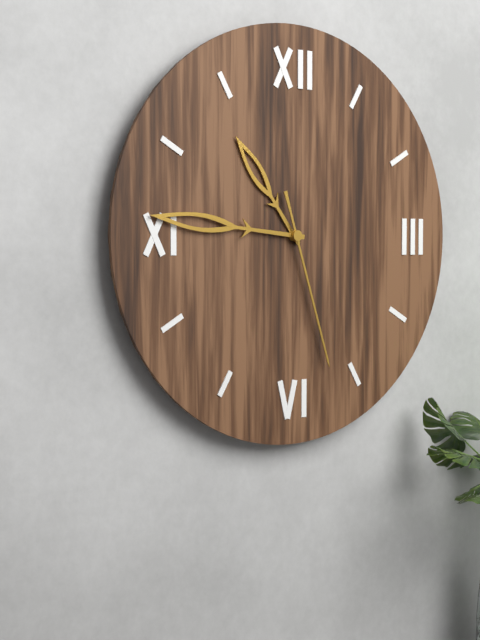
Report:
10:46:27
